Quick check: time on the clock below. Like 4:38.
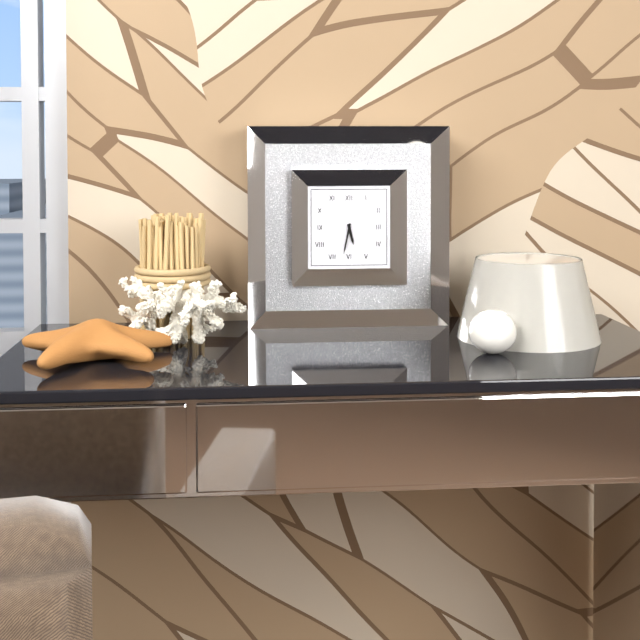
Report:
5:32
